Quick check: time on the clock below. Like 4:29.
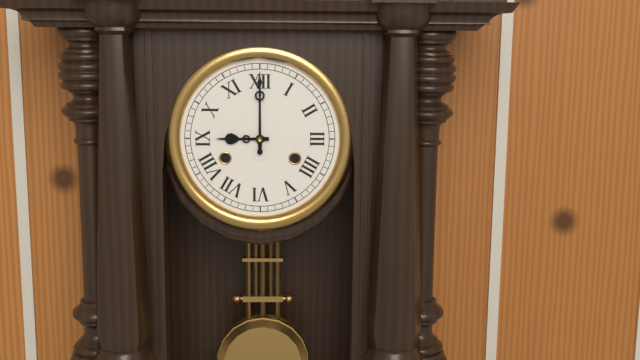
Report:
9:00
